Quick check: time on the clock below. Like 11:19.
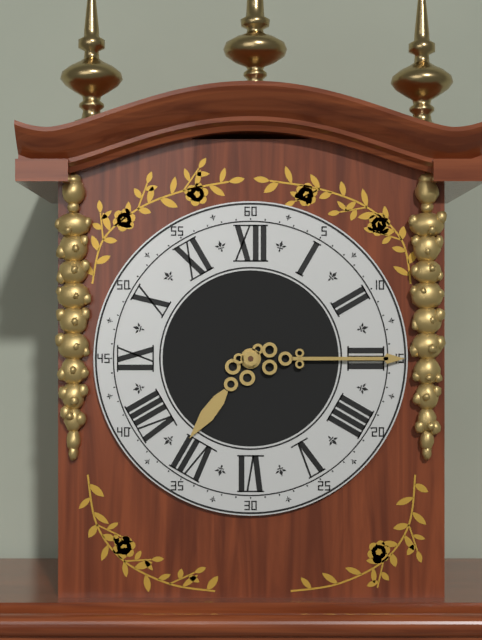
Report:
7:15
